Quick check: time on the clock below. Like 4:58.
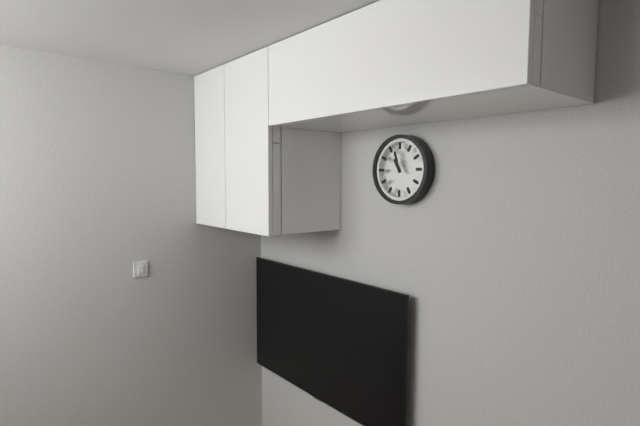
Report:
10:57
